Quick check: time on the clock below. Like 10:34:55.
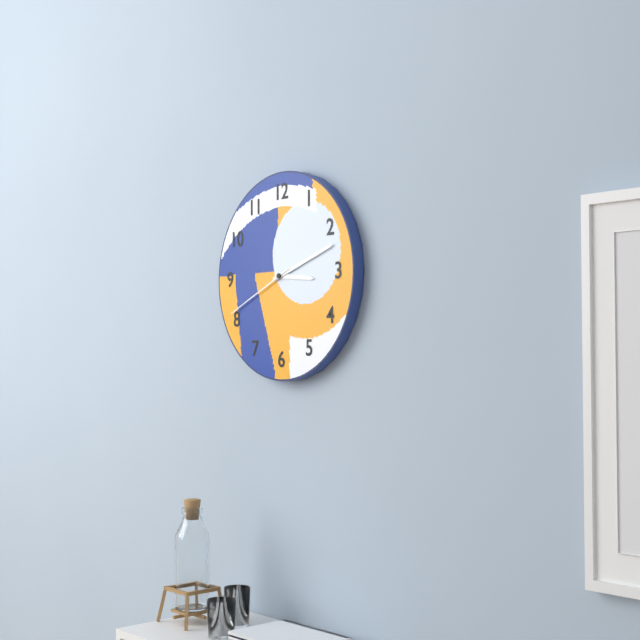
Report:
3:12:41
